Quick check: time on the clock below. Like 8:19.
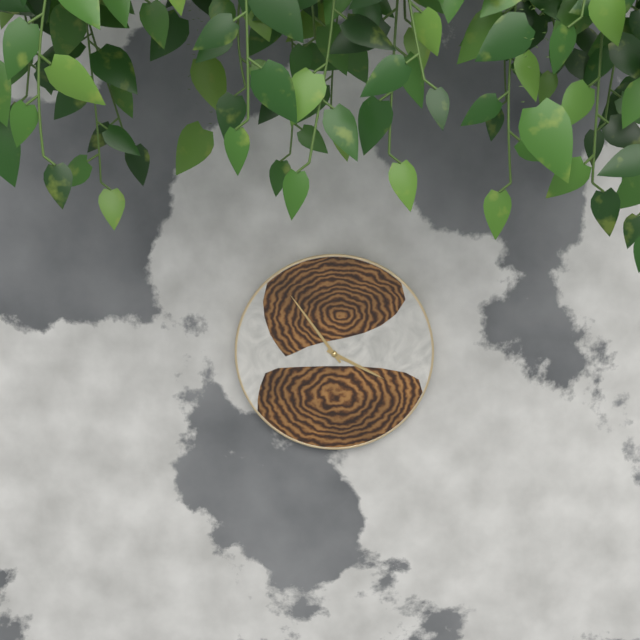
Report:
3:54
